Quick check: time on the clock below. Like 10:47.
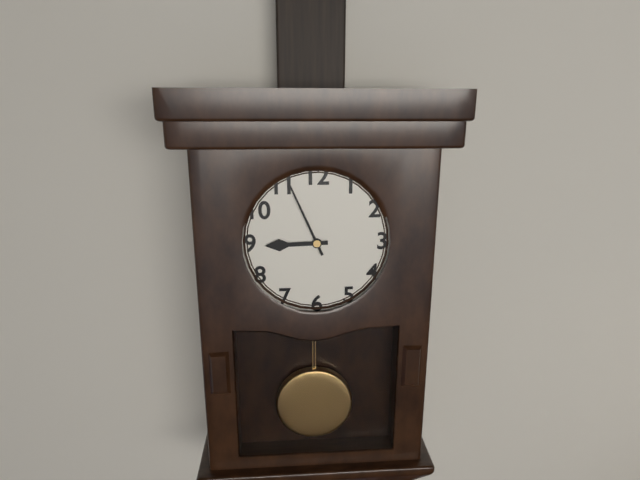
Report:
8:56
